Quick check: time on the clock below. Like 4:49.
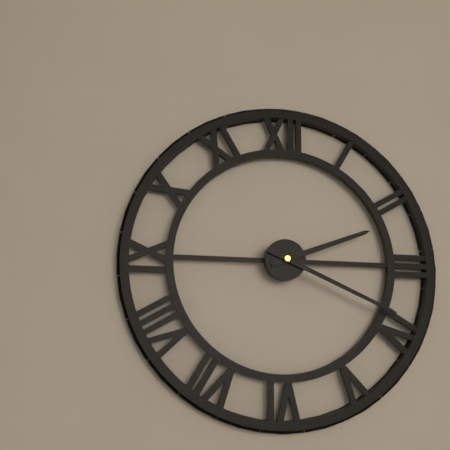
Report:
2:19
